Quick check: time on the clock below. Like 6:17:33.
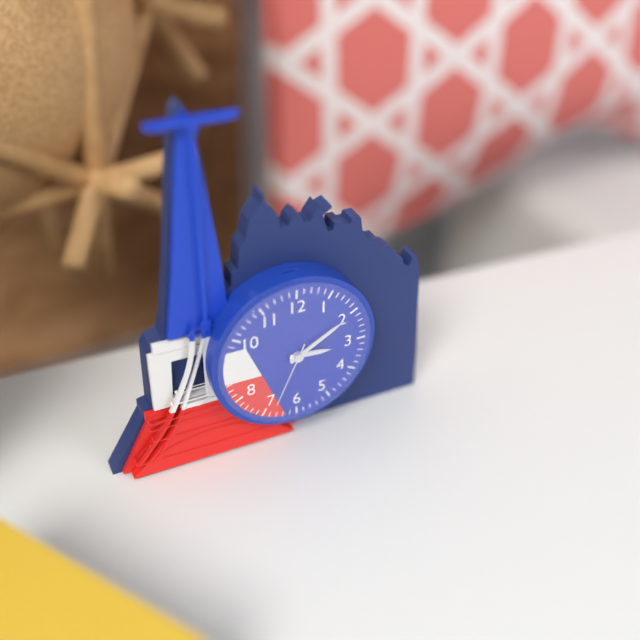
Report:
3:10:34
